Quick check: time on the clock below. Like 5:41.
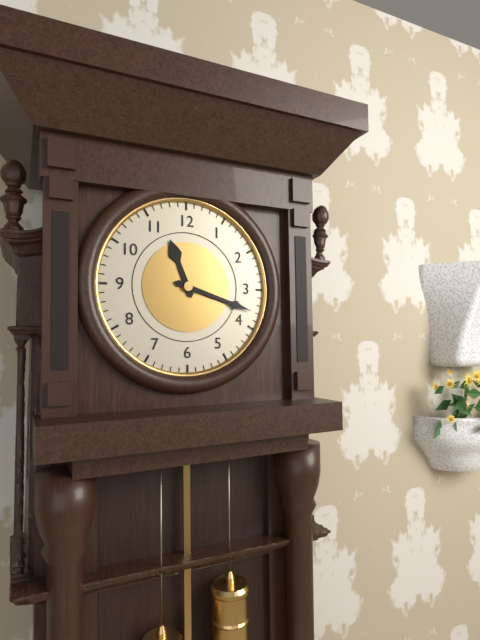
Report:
11:18
